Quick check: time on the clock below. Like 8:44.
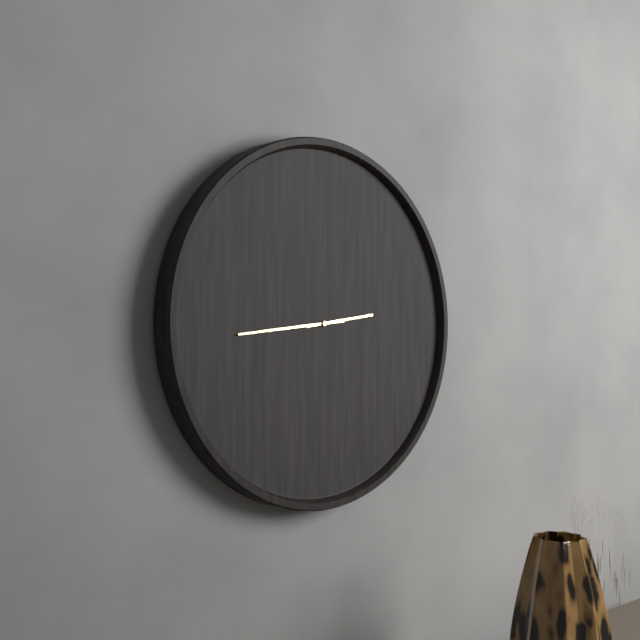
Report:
2:44
